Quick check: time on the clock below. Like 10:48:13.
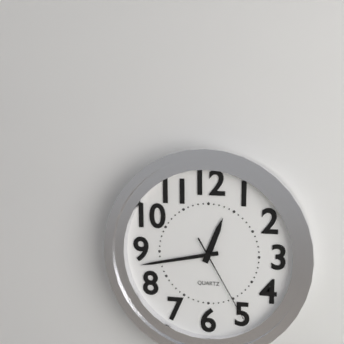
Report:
12:43:25
